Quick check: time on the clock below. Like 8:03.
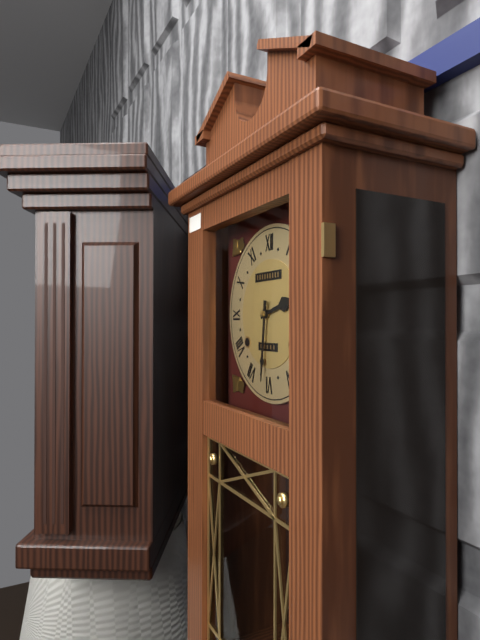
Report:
2:31
